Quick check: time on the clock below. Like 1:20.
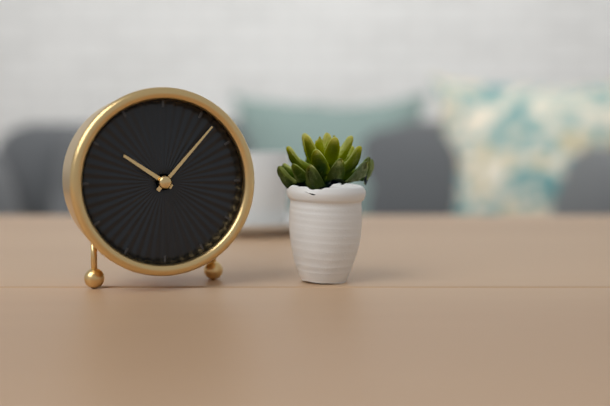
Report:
10:07
